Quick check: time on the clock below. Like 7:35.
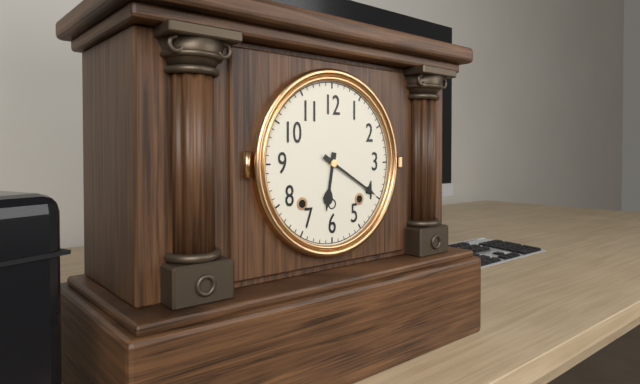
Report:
6:20
